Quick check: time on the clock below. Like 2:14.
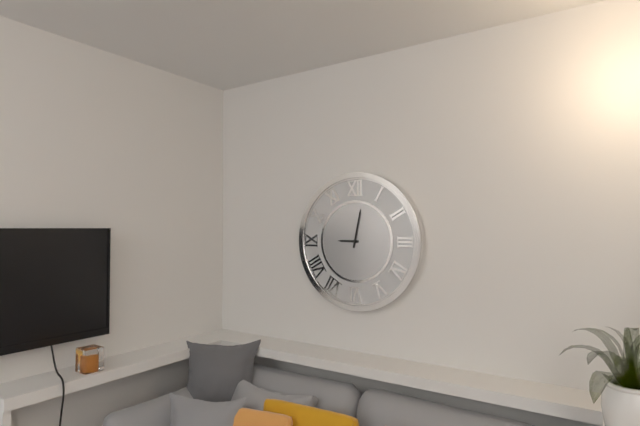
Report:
9:02
